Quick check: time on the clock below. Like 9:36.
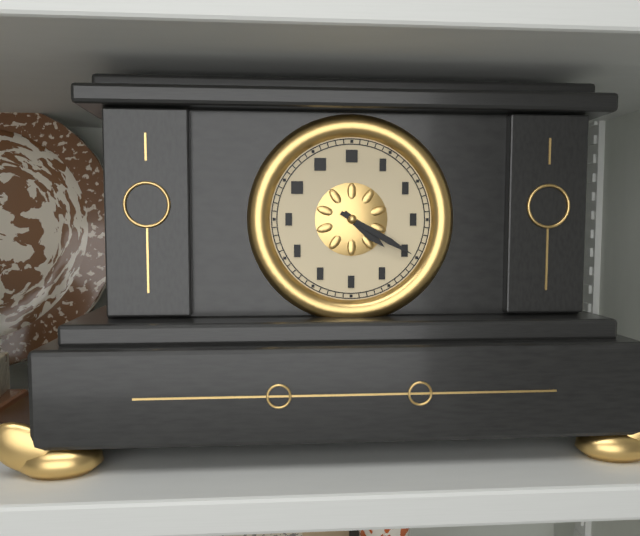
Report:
4:20
